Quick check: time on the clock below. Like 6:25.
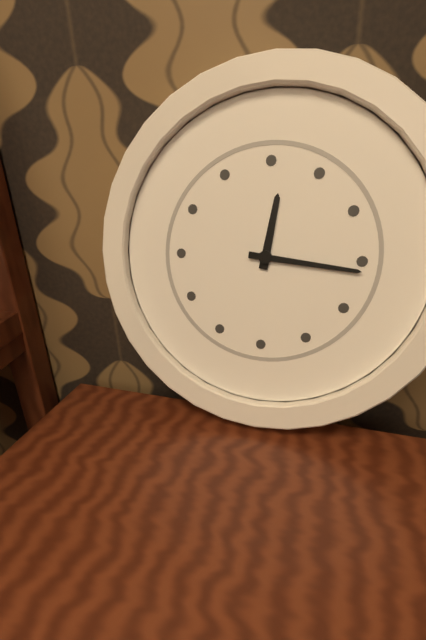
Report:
12:16
